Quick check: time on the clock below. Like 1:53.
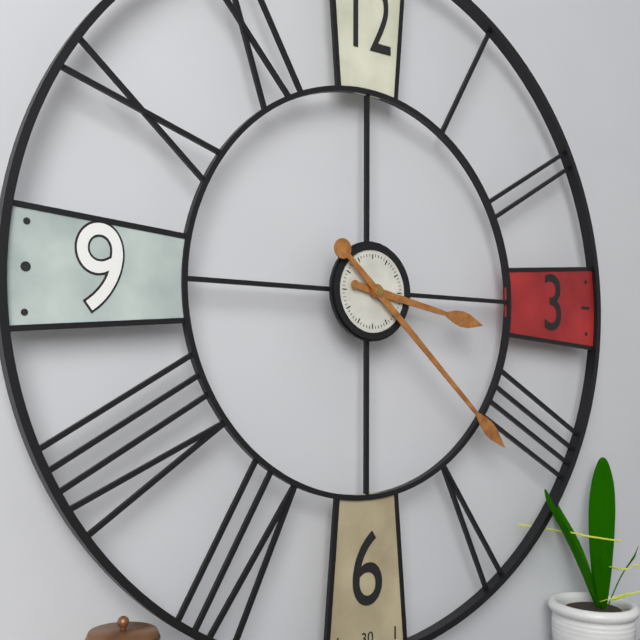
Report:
3:22
